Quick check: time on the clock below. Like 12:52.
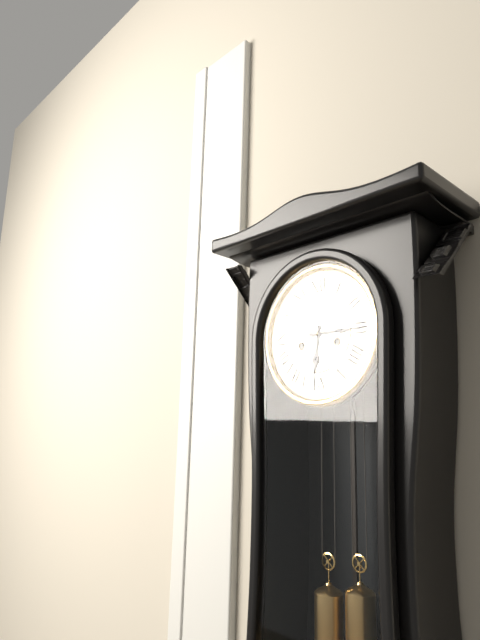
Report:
6:15
